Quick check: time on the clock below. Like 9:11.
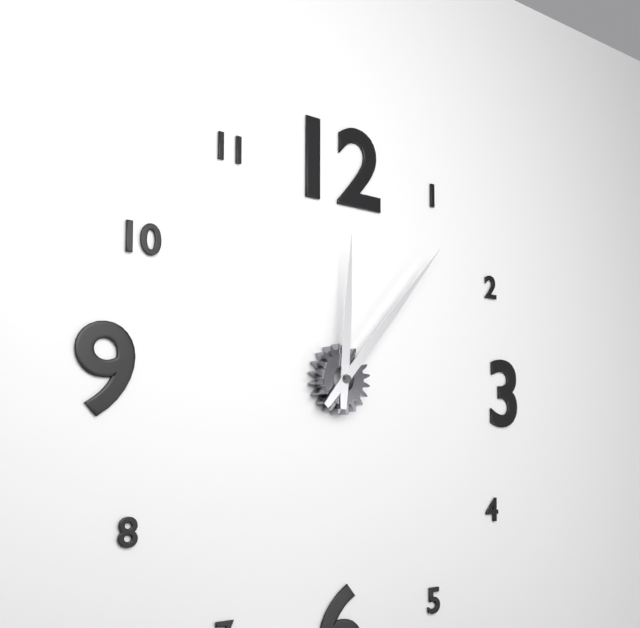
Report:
12:07
